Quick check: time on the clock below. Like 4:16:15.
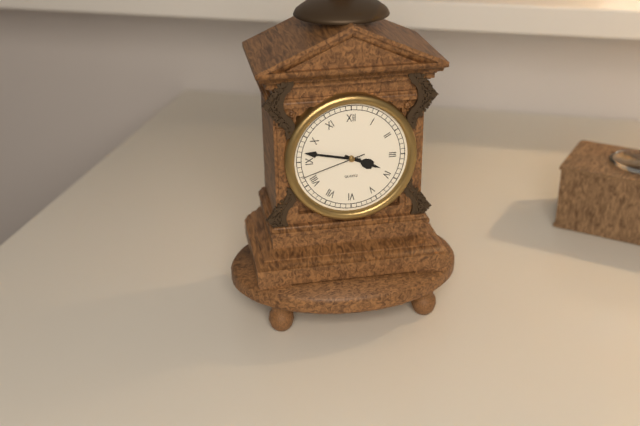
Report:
3:47:42
